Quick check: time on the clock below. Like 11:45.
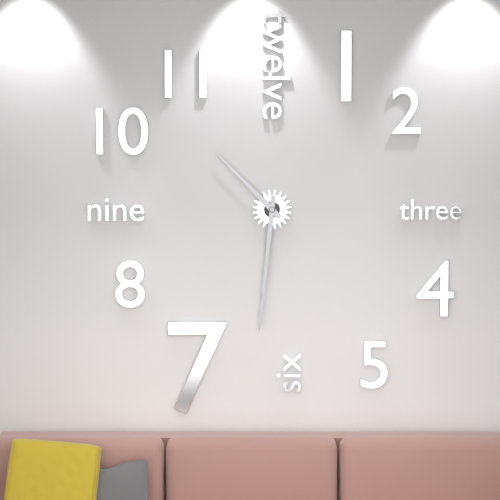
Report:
10:31
